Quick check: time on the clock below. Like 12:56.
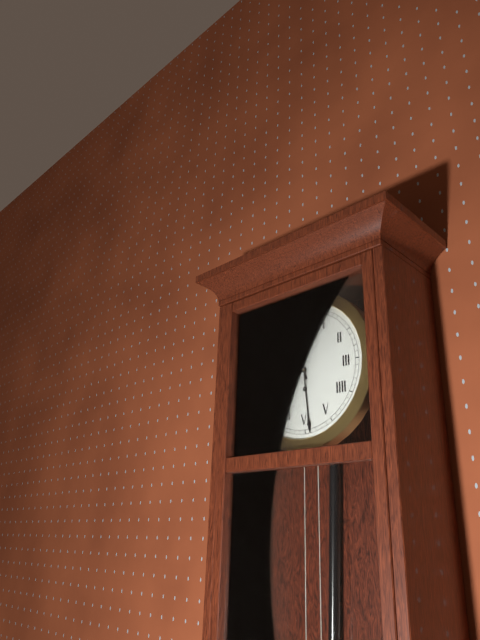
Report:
11:29
